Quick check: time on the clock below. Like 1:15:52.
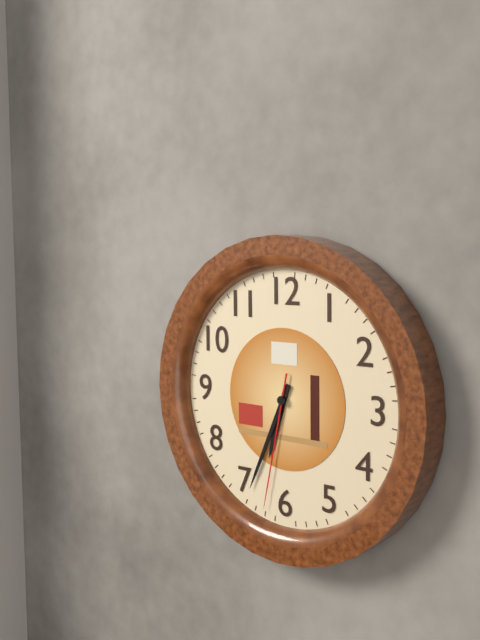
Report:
6:34:32
